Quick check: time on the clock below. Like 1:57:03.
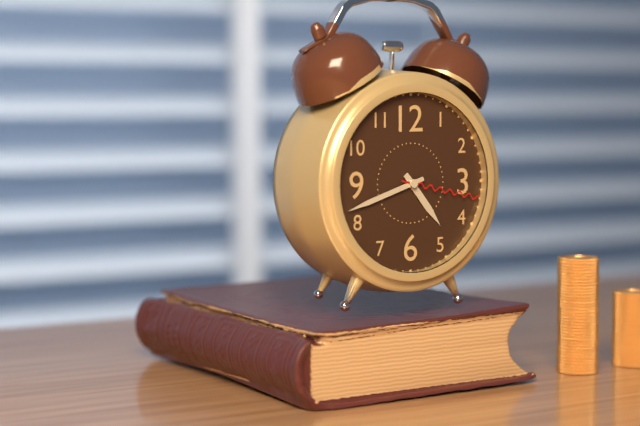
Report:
4:42:17
